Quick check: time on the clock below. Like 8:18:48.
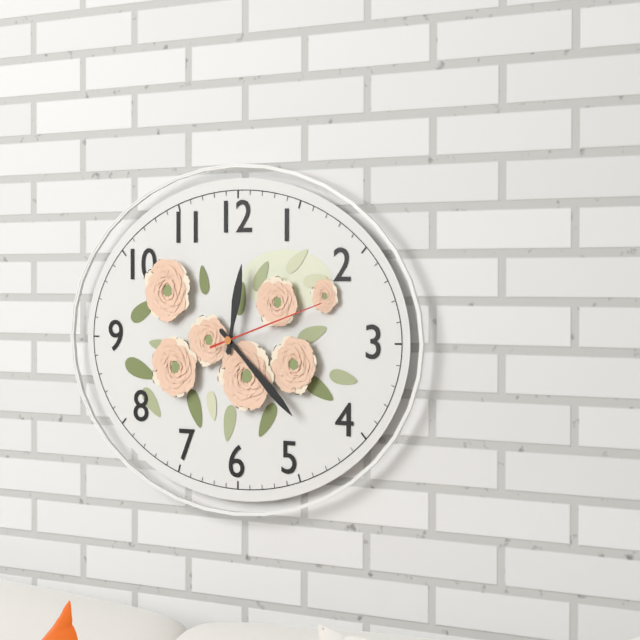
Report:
12:22:12
